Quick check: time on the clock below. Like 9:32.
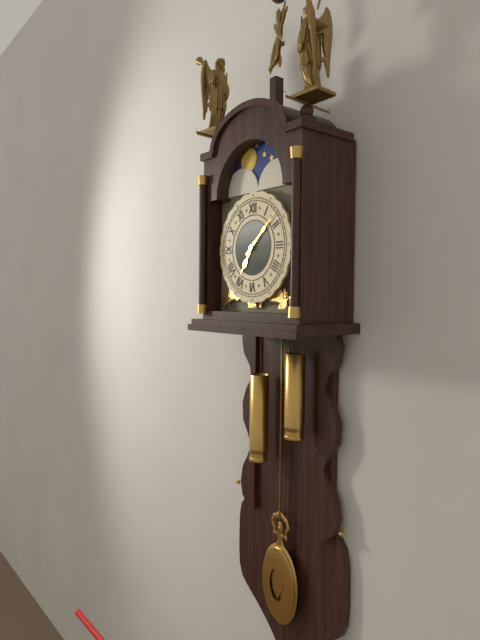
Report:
7:08
